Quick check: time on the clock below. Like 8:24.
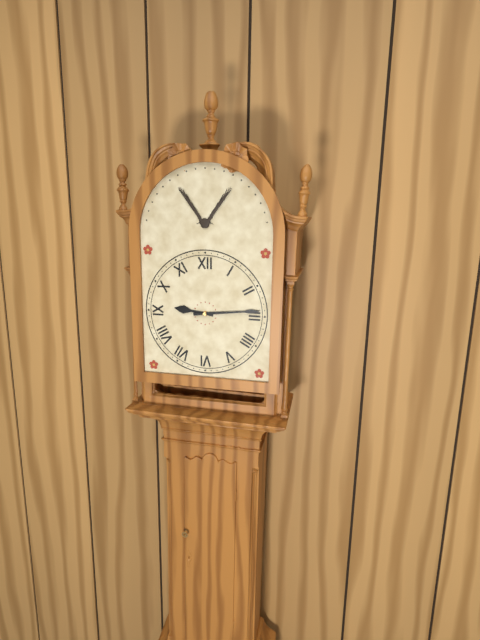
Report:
9:14
